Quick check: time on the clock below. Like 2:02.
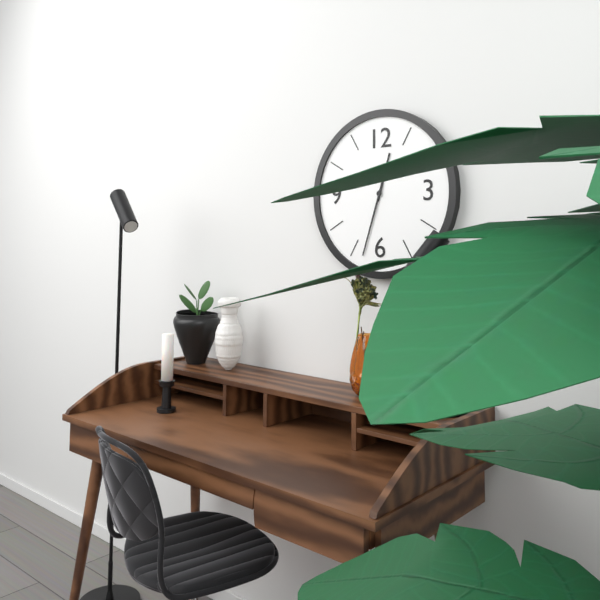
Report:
12:33
